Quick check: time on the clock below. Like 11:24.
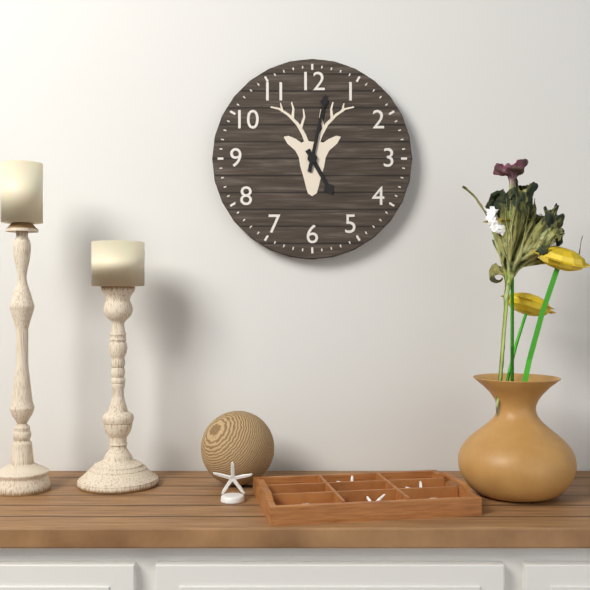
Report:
5:02
